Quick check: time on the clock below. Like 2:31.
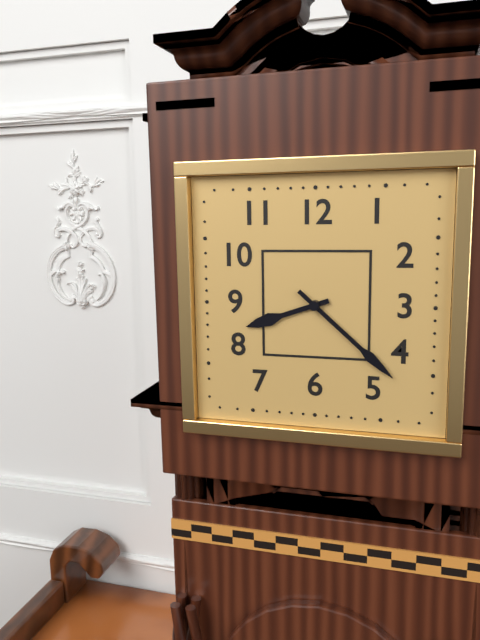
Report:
8:22
